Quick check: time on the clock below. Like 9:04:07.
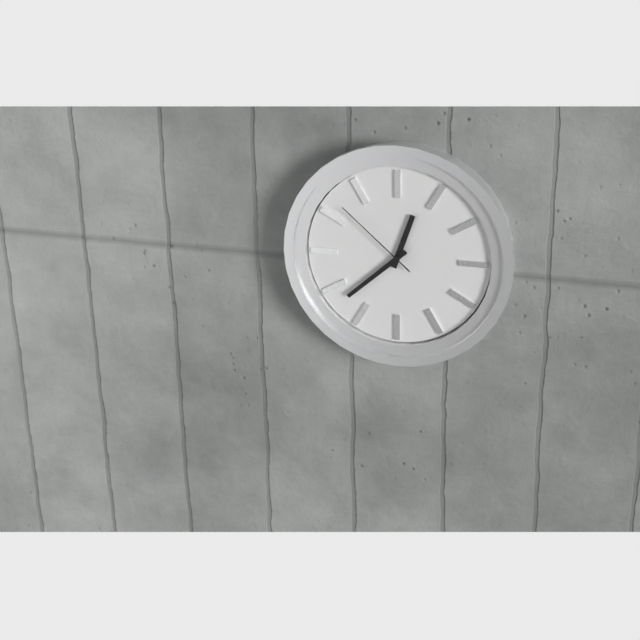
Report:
12:38:52
